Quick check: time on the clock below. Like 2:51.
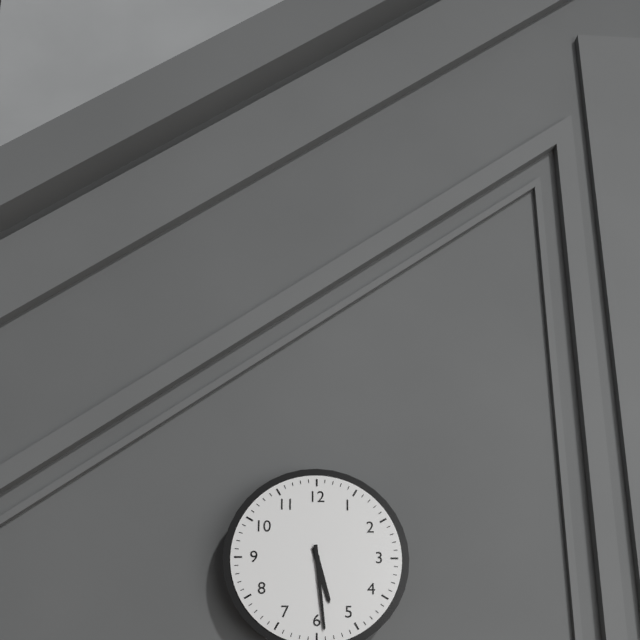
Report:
5:29
